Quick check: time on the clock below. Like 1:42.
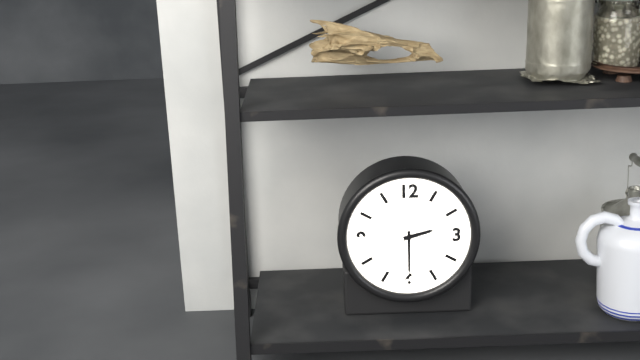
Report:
2:30
